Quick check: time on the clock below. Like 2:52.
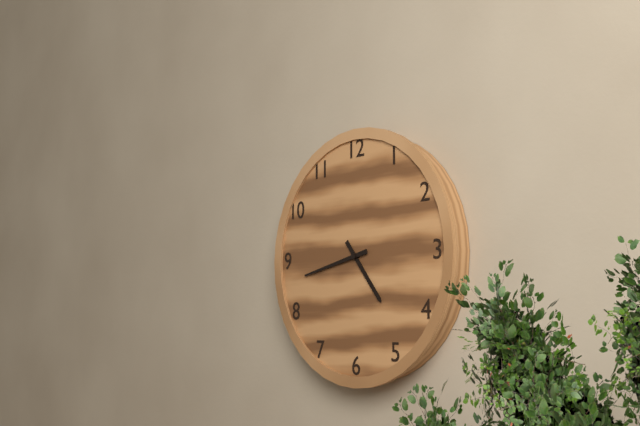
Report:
4:43
